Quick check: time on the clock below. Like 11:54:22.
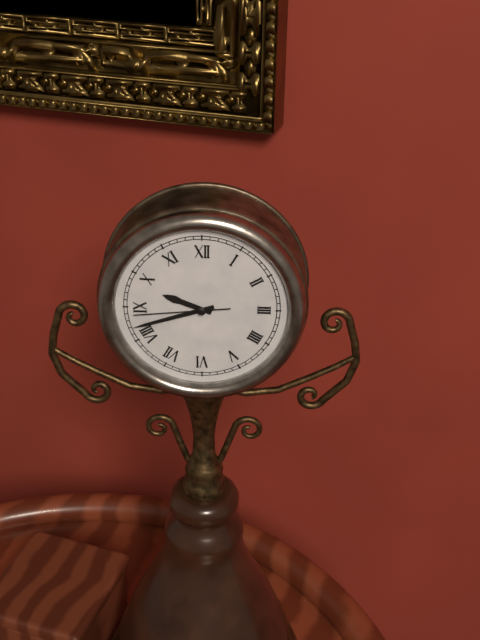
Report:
9:42:44
